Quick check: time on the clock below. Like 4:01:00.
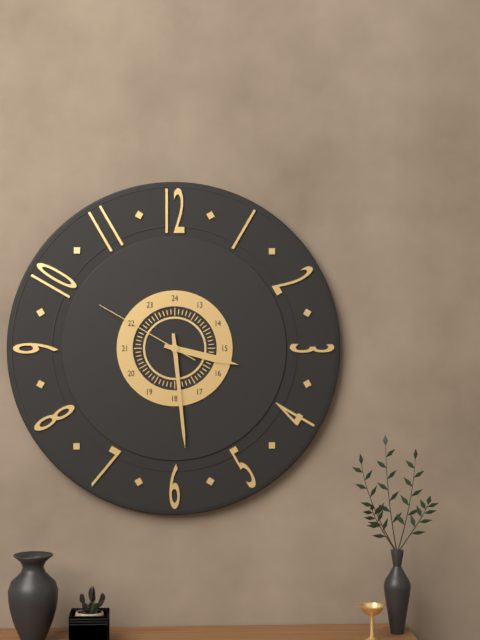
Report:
3:29:50
